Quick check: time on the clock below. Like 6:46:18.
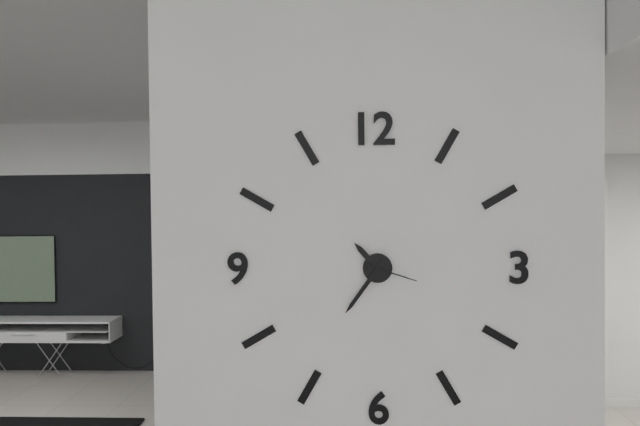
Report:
10:36:18
